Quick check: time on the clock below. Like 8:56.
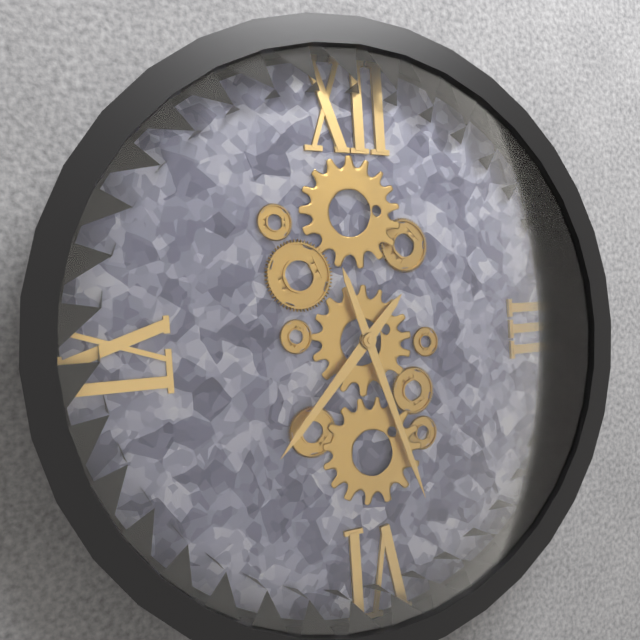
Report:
7:27
